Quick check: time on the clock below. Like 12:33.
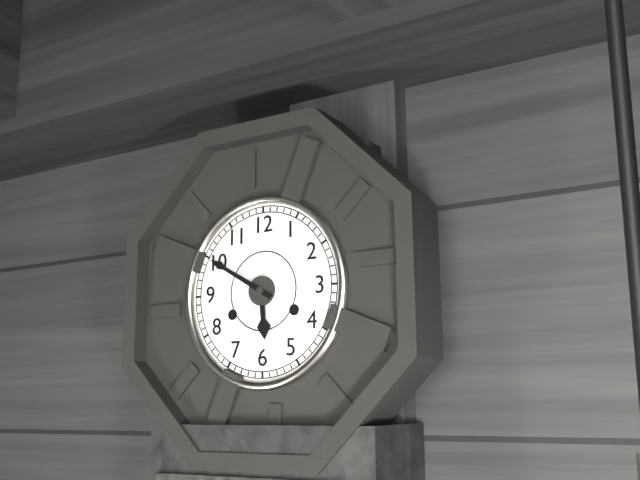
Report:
5:50
